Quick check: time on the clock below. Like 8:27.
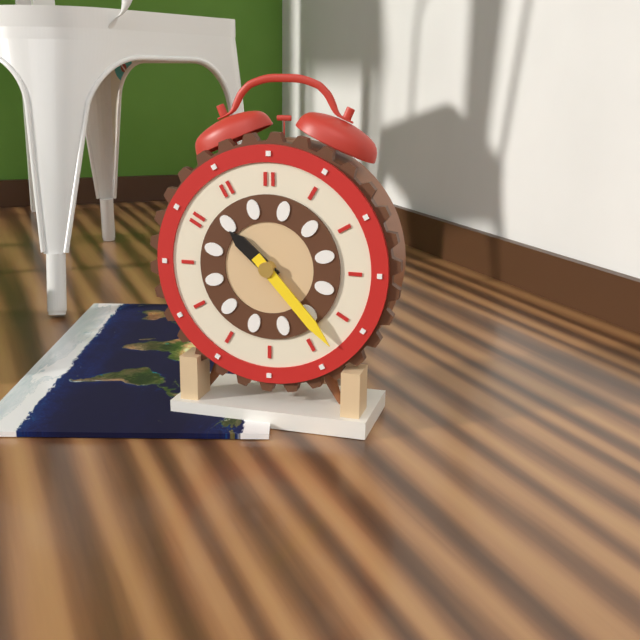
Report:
10:23
